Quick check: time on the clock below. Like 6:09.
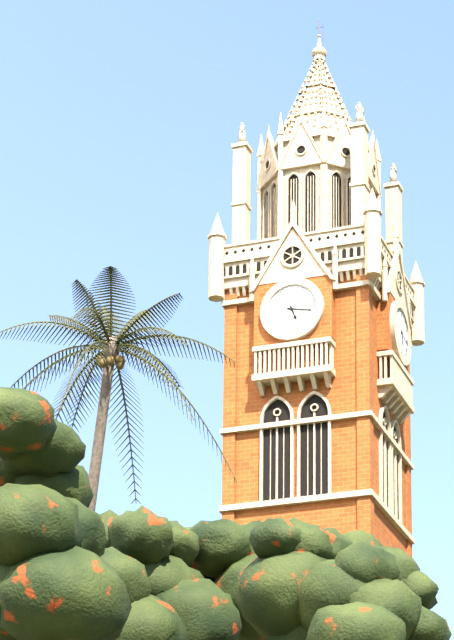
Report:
5:17
